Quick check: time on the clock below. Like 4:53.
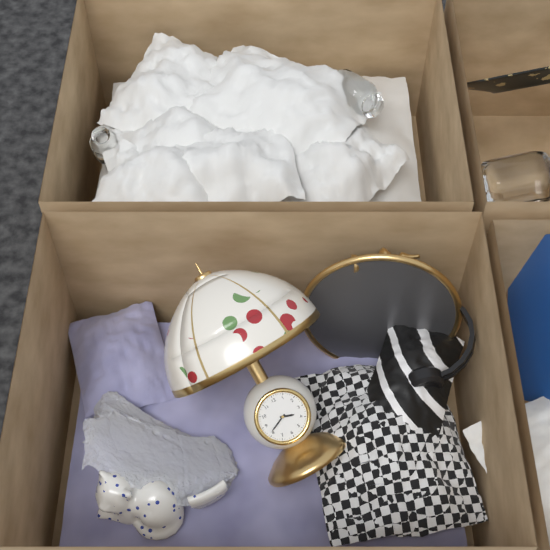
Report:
3:41
